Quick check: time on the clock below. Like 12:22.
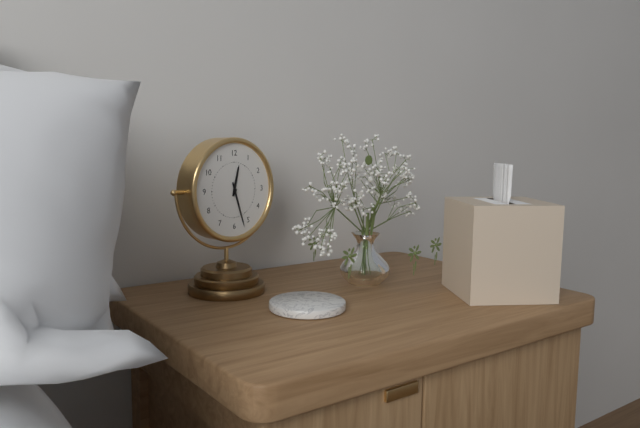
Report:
12:27
